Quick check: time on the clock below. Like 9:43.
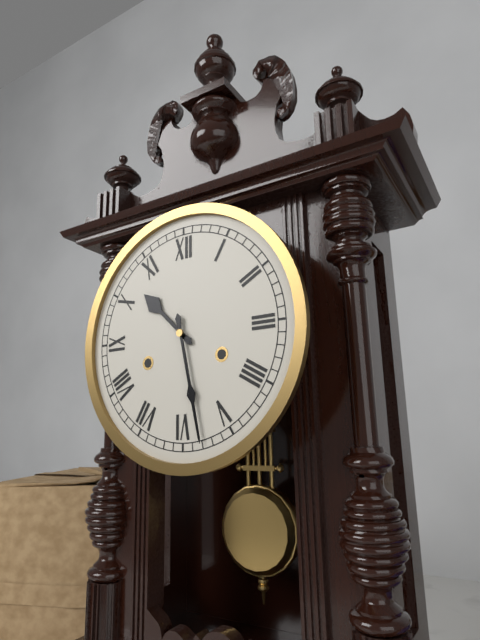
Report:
10:28
